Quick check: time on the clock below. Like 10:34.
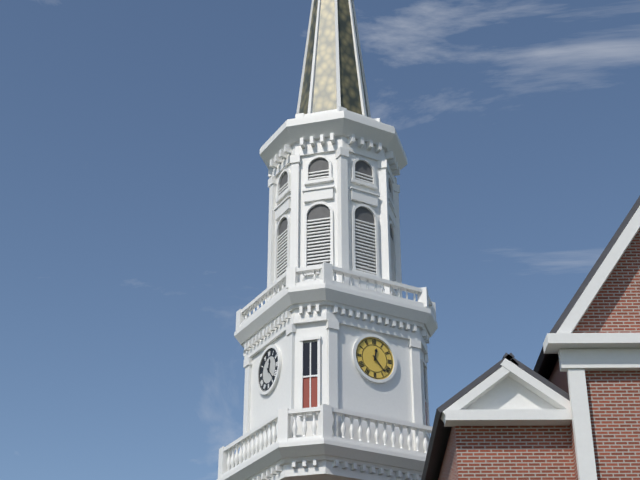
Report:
12:23
